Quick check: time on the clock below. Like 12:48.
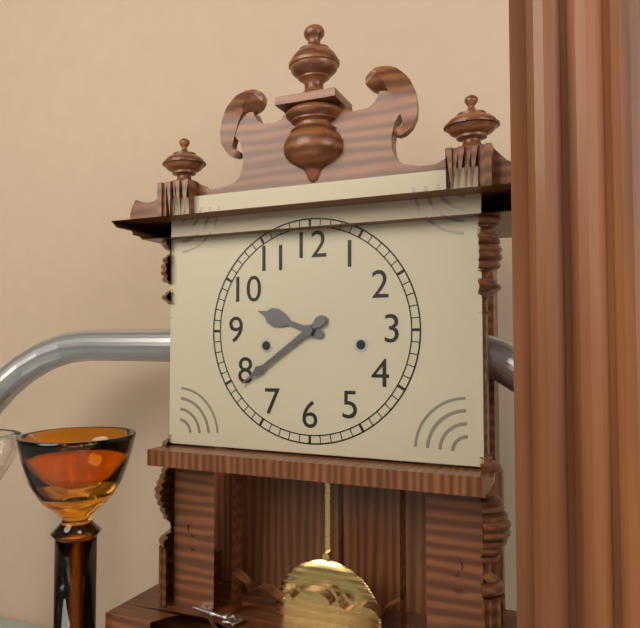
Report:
9:39
